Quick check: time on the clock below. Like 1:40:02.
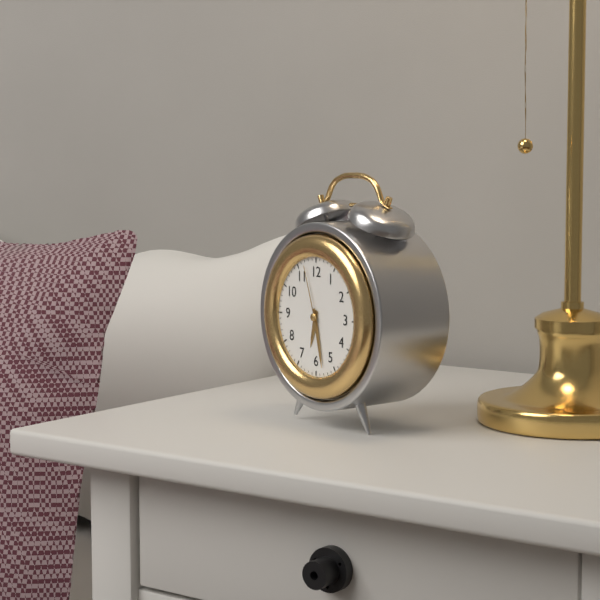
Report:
6:28:57
